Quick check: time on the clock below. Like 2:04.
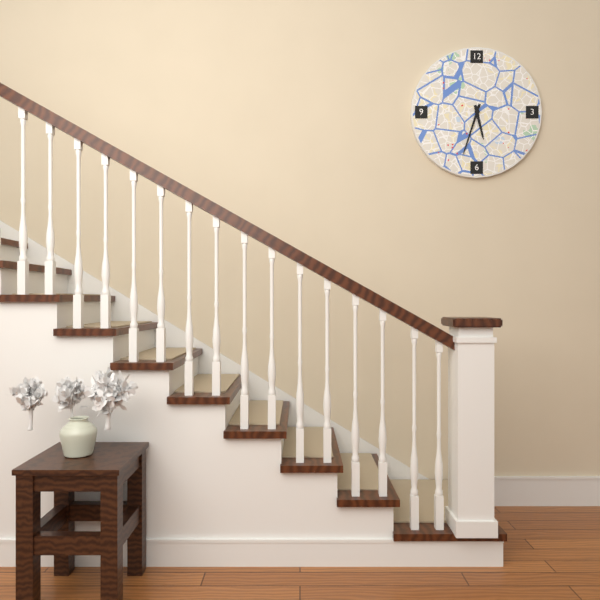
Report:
5:33
